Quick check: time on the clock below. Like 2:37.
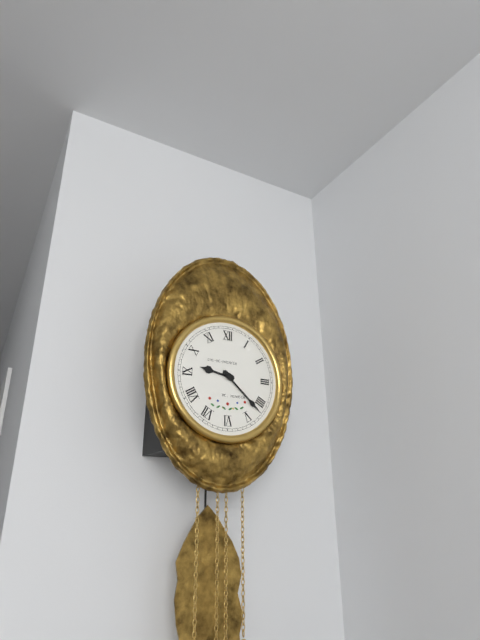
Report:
9:22
